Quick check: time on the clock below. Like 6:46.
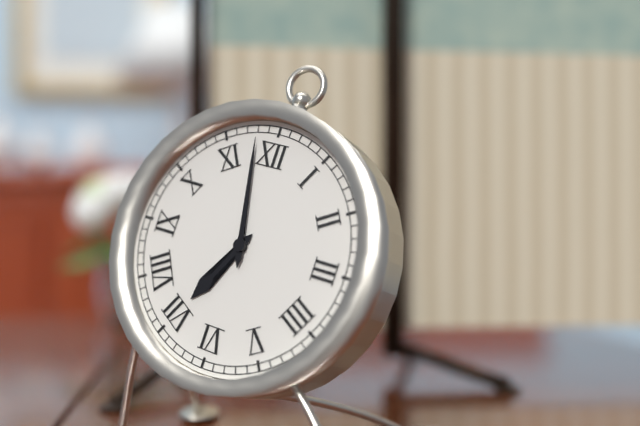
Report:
6:58
